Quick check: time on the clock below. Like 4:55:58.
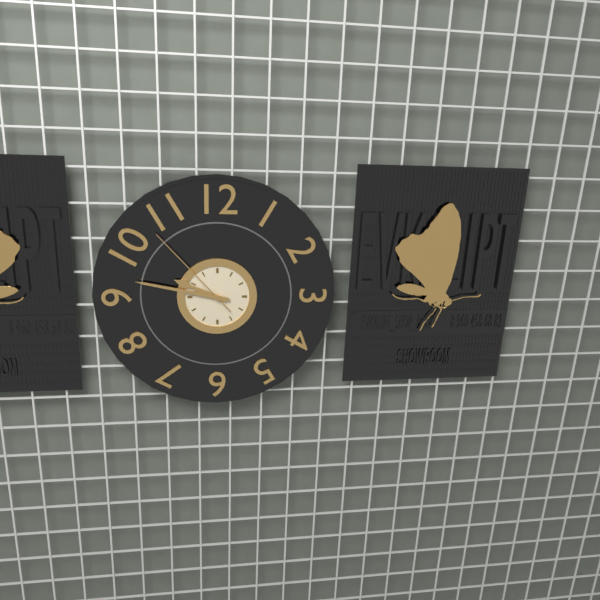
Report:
9:47:53
